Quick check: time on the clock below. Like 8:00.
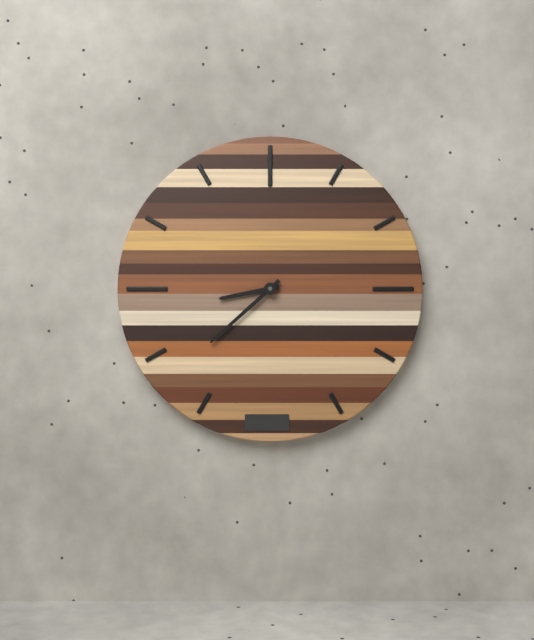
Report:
8:38
